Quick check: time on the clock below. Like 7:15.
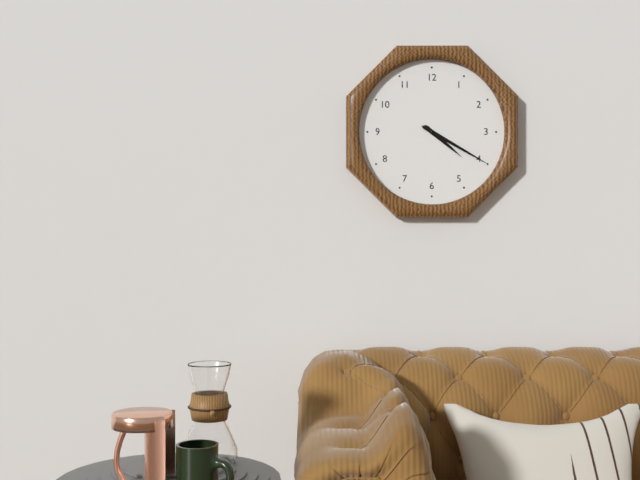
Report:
4:20
